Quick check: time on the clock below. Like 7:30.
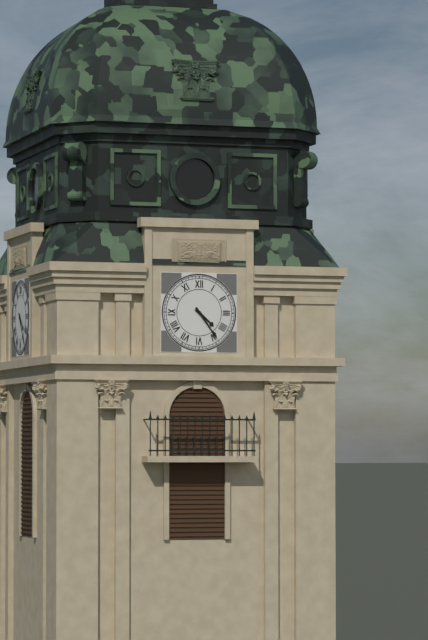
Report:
4:24
